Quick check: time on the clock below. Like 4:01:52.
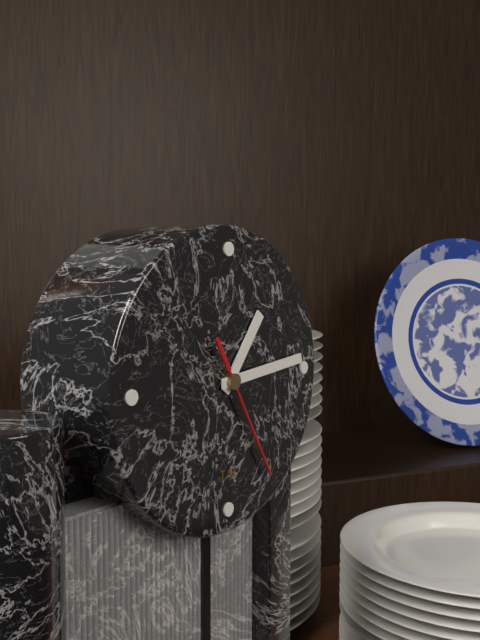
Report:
1:14:25
